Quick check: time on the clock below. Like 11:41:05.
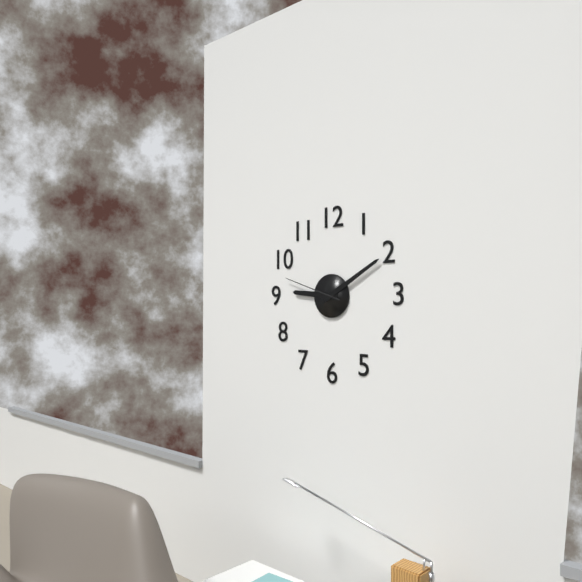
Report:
9:10:48
